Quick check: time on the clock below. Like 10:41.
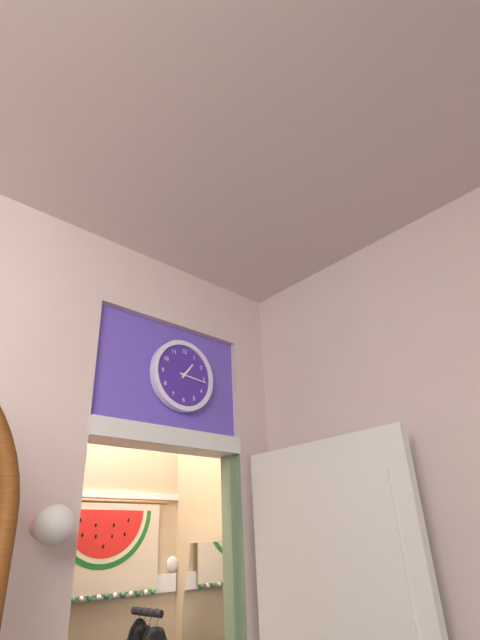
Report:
1:16
